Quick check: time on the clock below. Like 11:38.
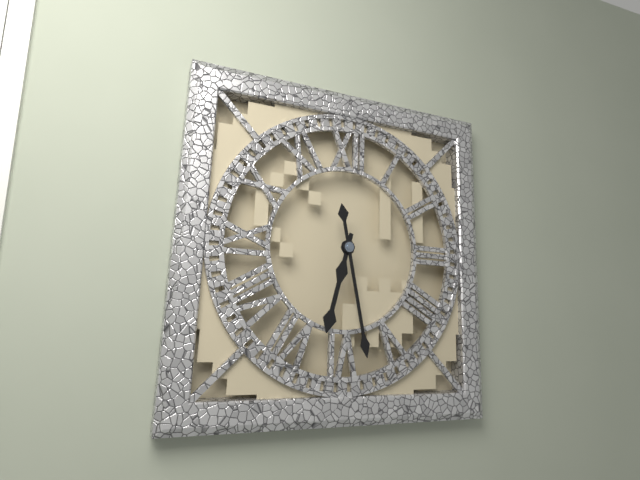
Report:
6:28
